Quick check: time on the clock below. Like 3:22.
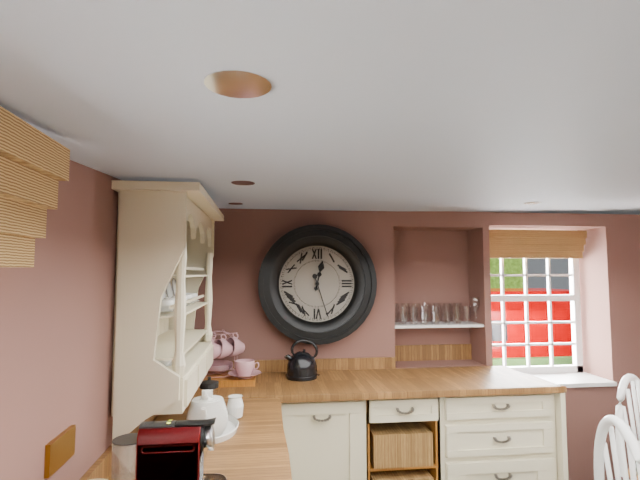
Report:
12:27
